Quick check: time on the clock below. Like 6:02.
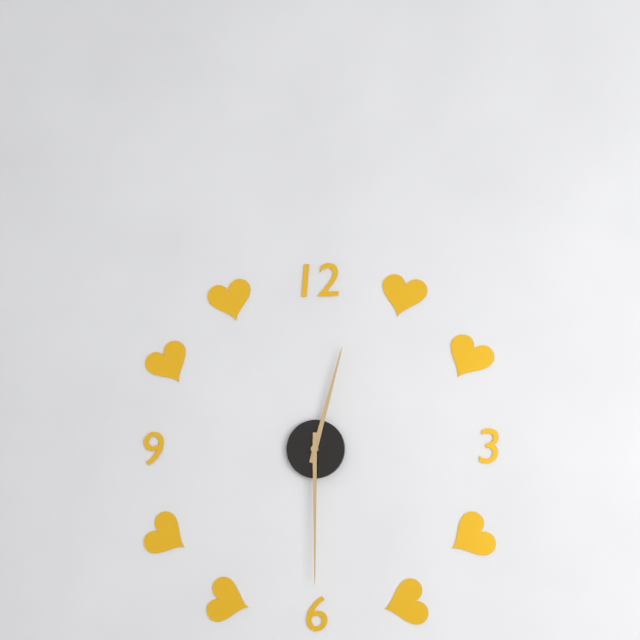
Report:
12:30
